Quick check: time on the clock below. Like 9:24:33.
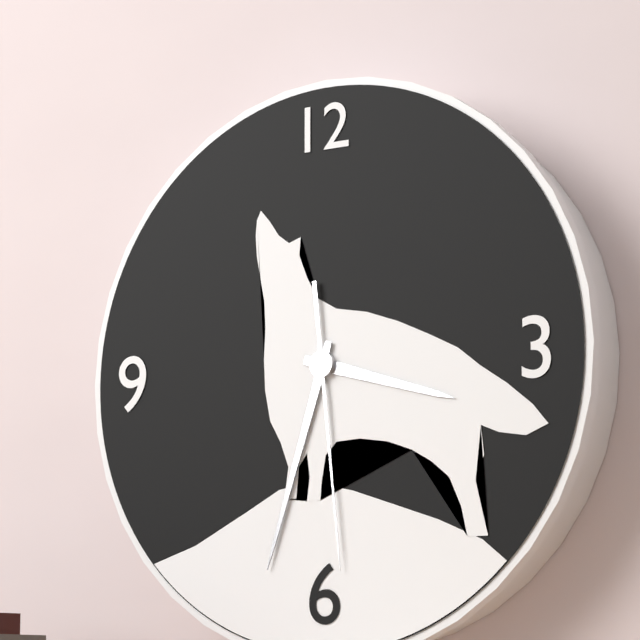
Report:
3:33:29
